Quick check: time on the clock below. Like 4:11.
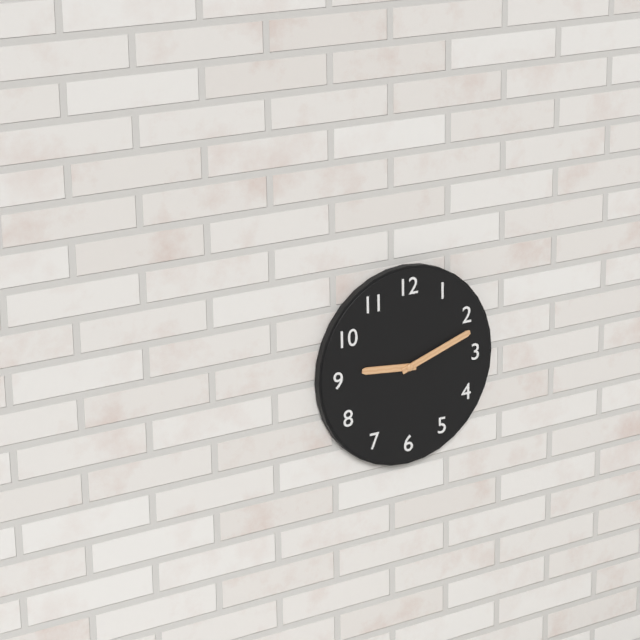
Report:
9:12
